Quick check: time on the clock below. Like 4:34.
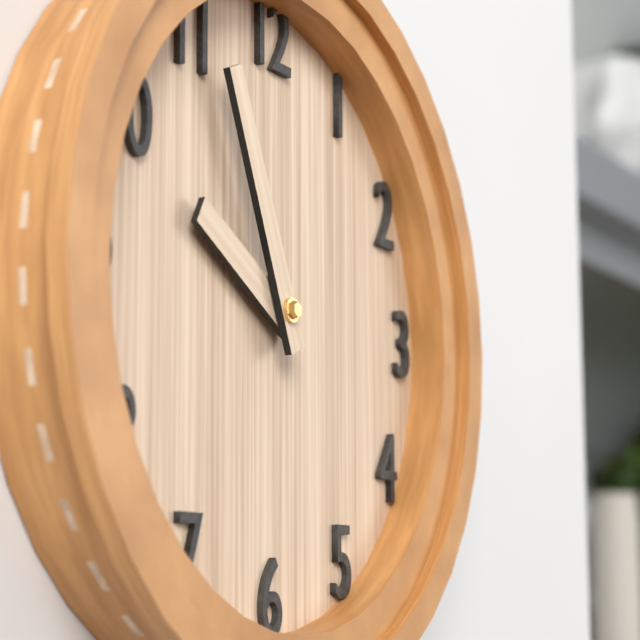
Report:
9:56
